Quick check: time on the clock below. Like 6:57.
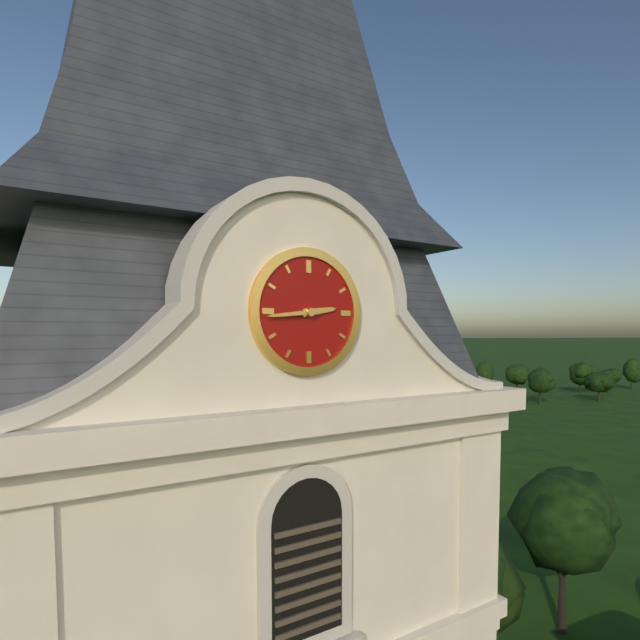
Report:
2:44
